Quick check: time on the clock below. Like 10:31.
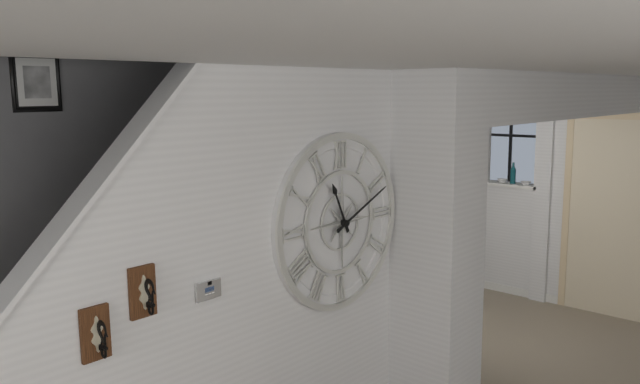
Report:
11:11
